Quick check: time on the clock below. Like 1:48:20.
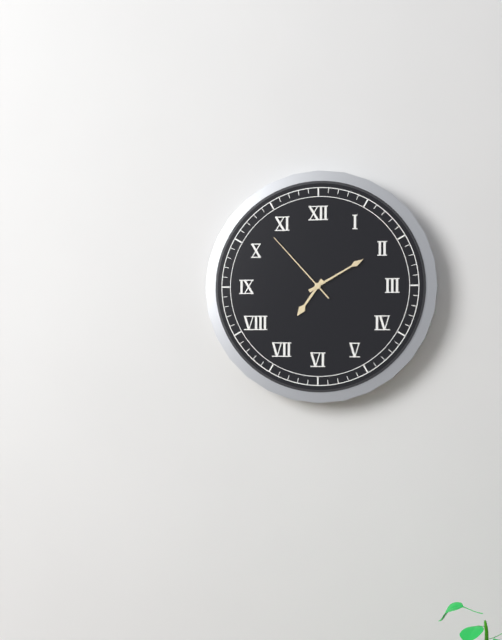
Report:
7:10:53
